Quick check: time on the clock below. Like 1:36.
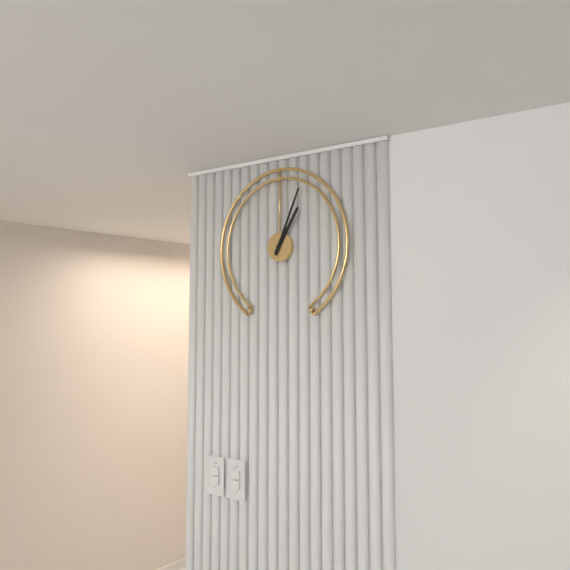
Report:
1:04
